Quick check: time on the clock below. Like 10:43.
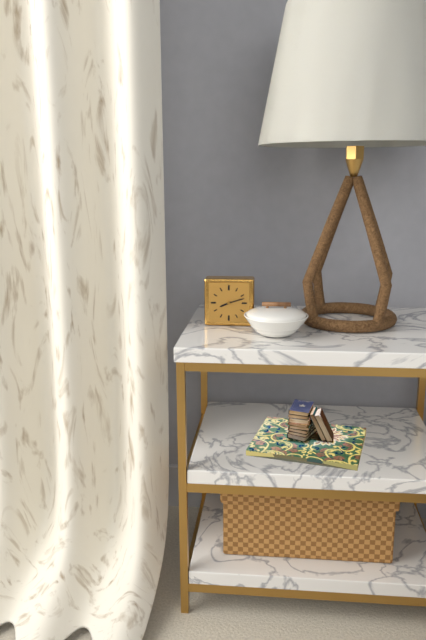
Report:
8:12
